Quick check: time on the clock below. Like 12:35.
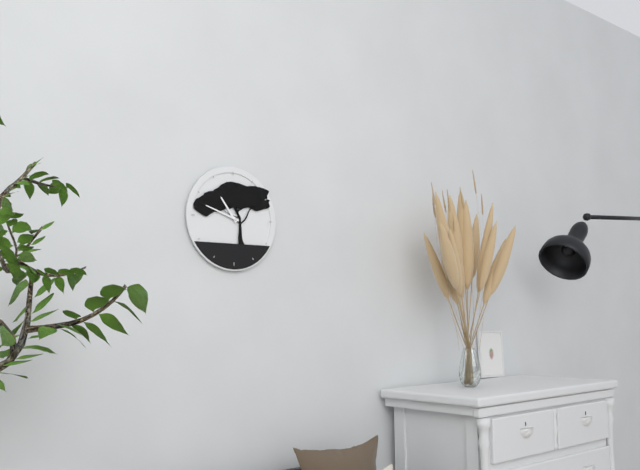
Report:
10:48
